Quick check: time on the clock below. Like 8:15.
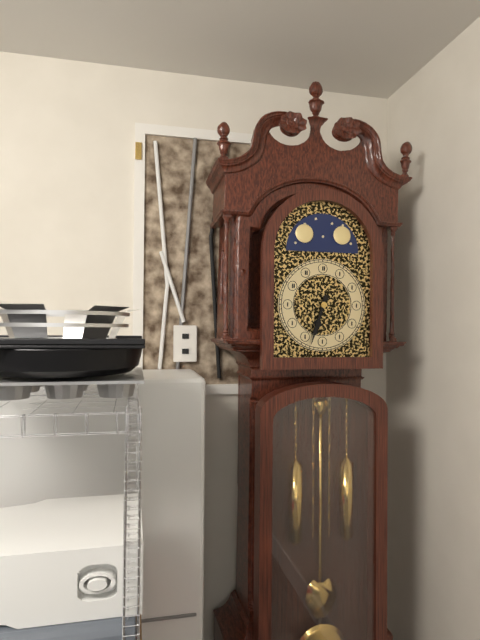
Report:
6:33
